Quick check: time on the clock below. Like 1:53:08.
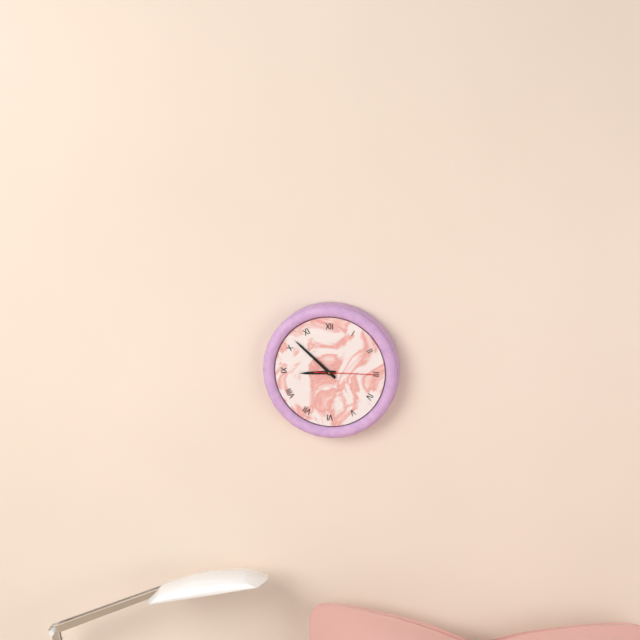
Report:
8:52:15
